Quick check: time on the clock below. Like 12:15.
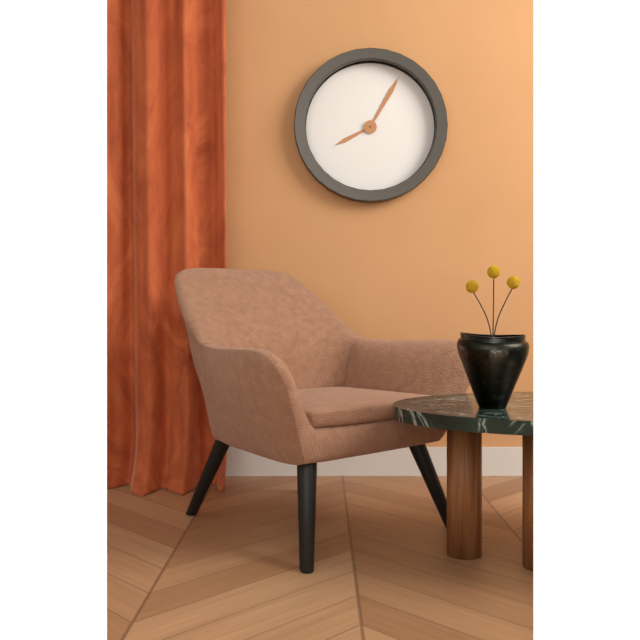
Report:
8:05
